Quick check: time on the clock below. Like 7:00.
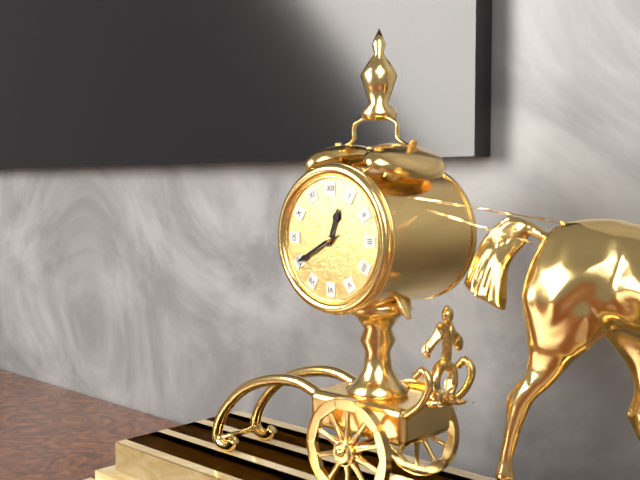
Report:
12:40
